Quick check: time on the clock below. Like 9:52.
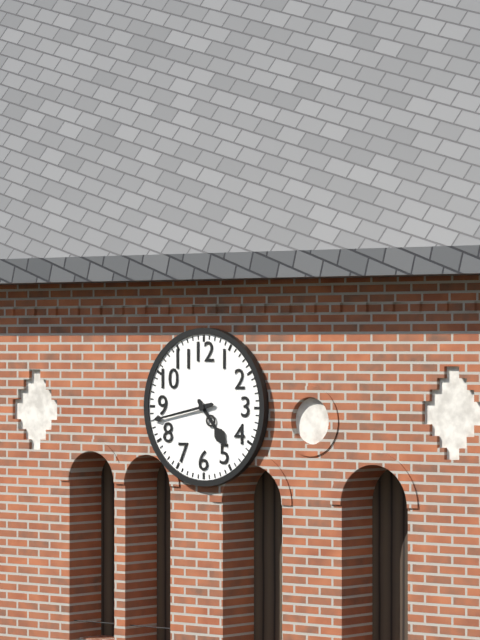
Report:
4:43
